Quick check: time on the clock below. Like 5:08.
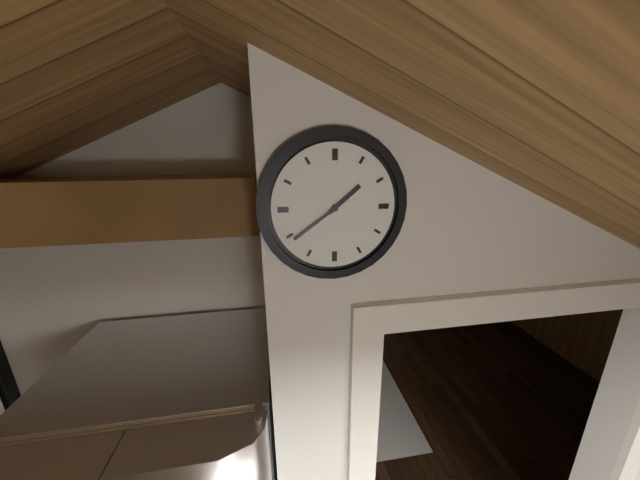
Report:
1:39
